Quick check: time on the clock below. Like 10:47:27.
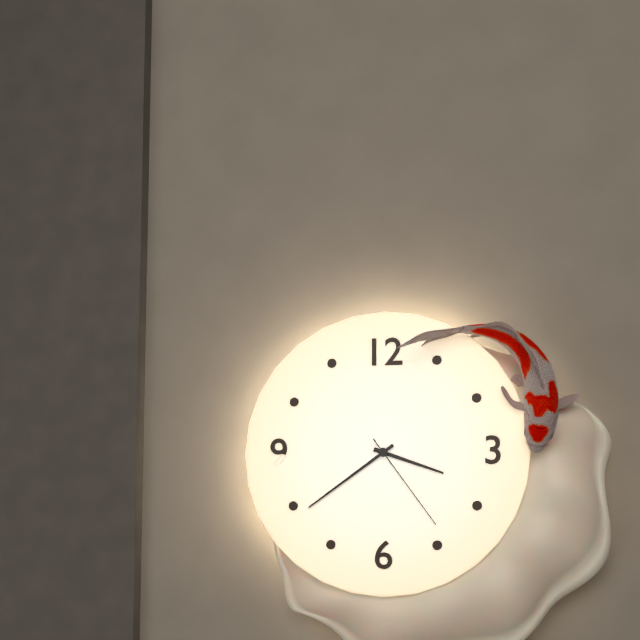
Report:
3:39:24
